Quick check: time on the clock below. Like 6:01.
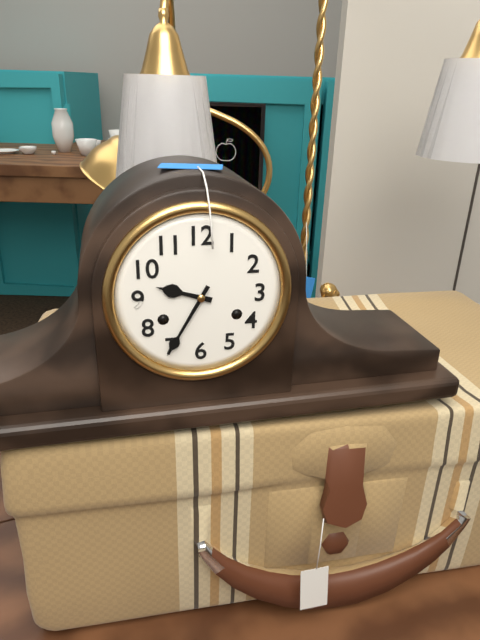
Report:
9:35
